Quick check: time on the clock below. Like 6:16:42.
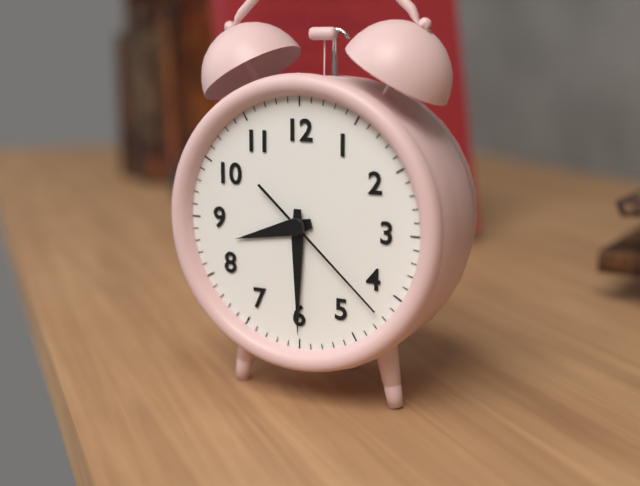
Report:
8:30:22
